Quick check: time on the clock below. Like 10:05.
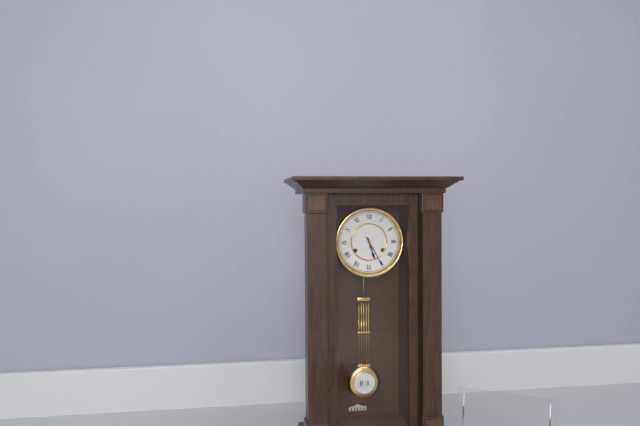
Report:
5:25
